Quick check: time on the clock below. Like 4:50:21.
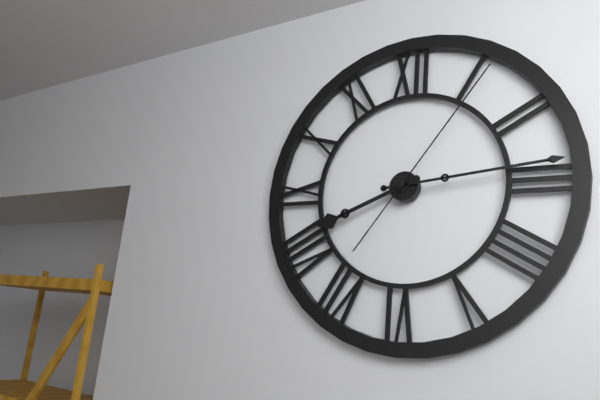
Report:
8:14:06
